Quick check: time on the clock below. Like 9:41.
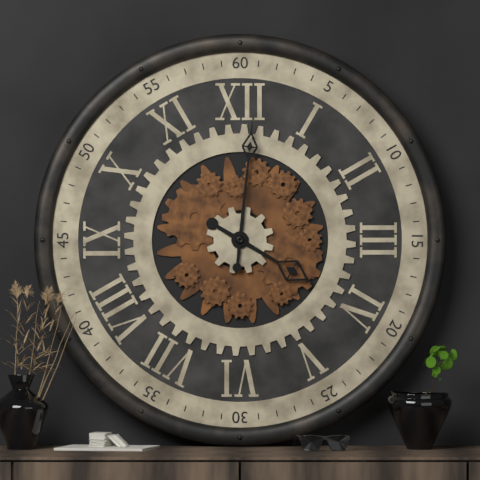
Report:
4:01
